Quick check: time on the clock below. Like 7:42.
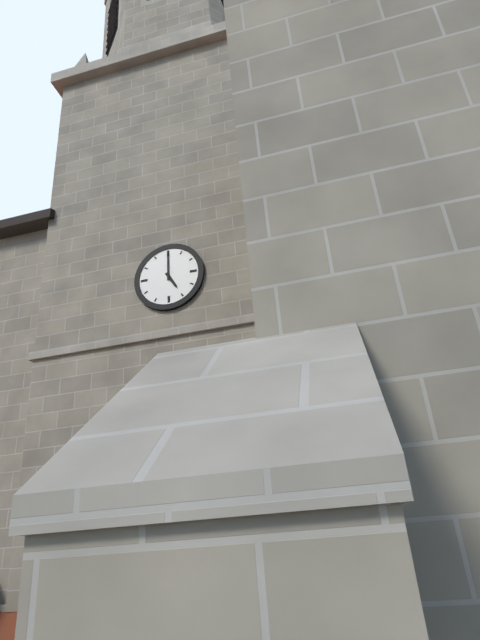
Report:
5:00
